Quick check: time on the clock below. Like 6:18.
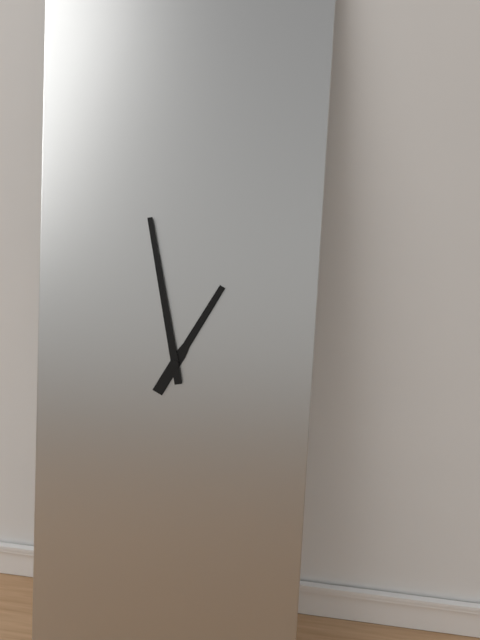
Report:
12:58
